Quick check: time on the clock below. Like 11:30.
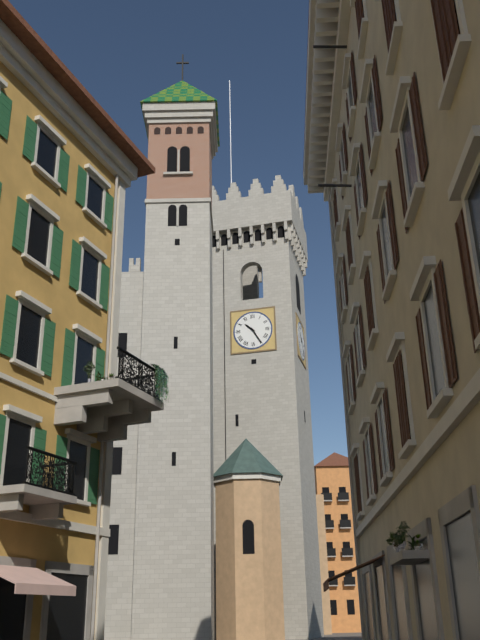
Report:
10:25
